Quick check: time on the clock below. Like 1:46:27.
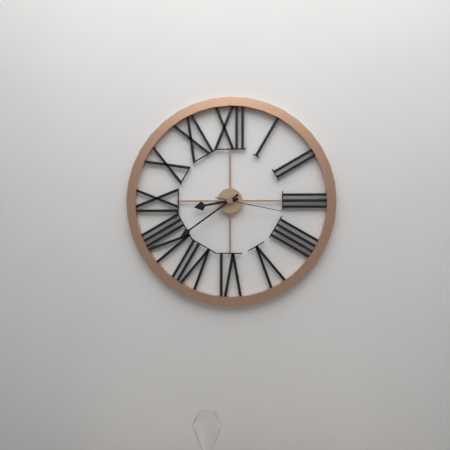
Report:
8:39:17
